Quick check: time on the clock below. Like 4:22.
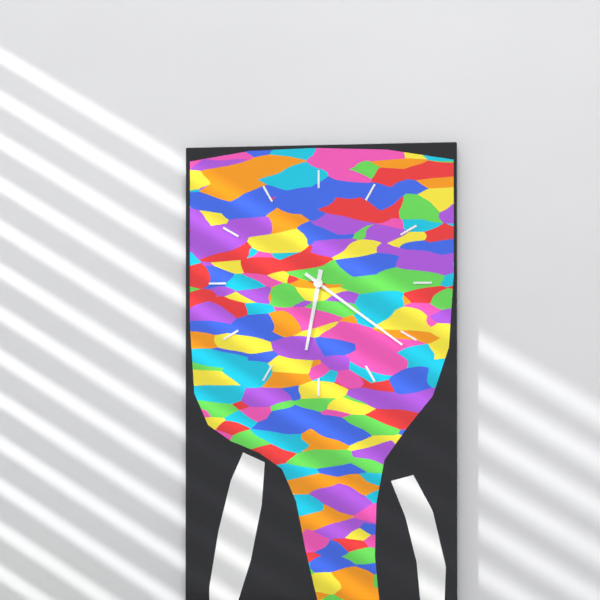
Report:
6:21
